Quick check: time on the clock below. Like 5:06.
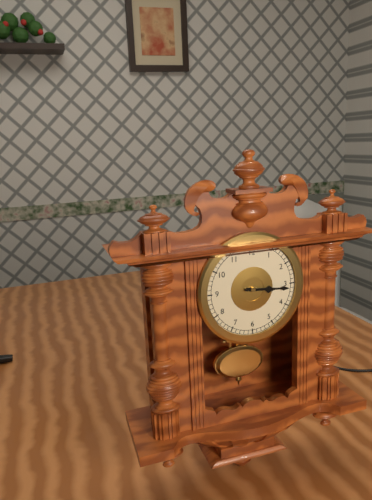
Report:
3:16
